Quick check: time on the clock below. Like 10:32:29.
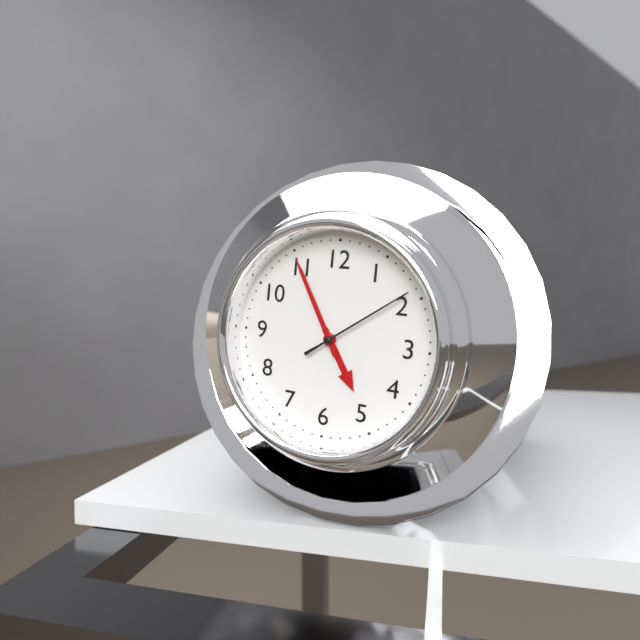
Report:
4:55:09
